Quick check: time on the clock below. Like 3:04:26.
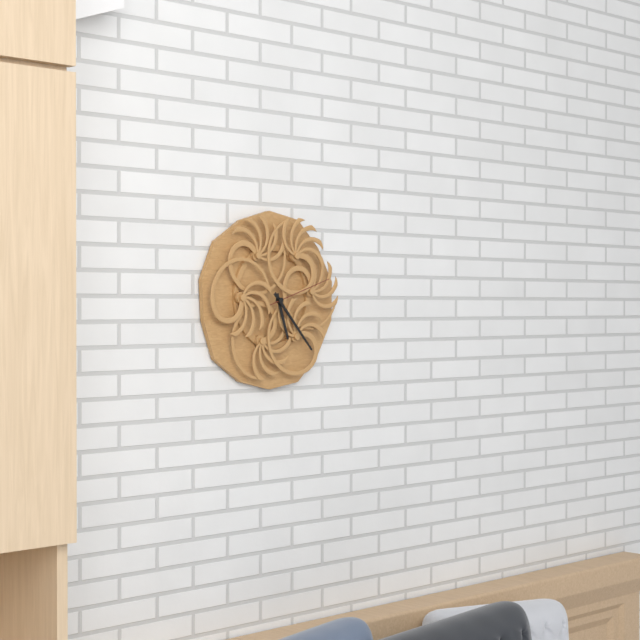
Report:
5:23:12
